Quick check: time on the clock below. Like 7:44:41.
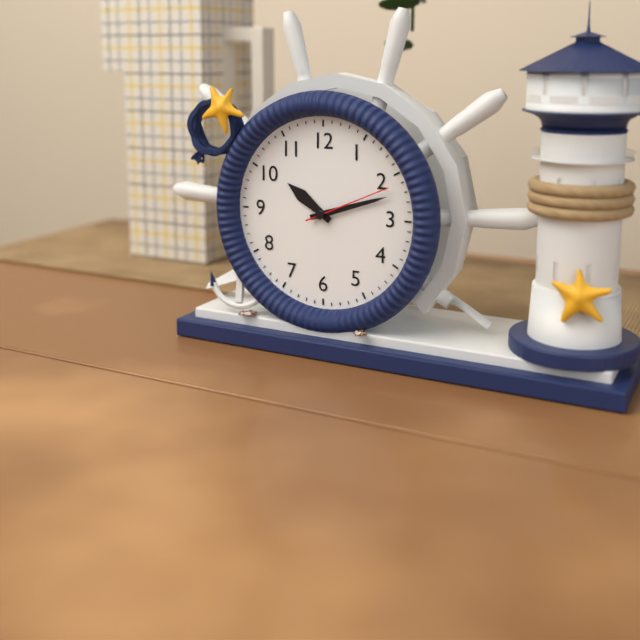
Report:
10:12:11
